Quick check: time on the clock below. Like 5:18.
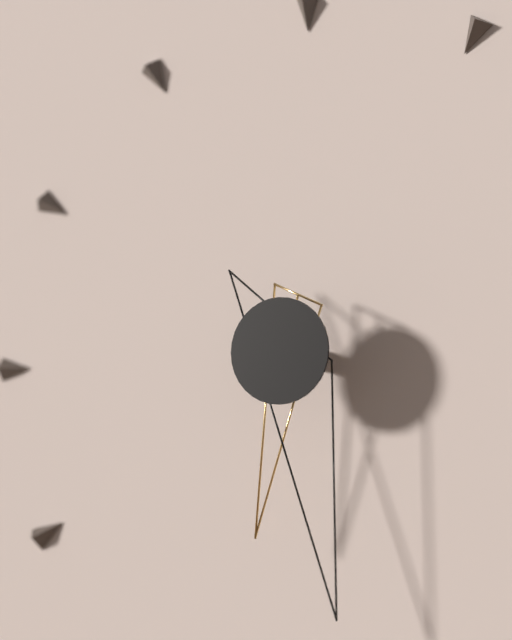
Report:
6:28
